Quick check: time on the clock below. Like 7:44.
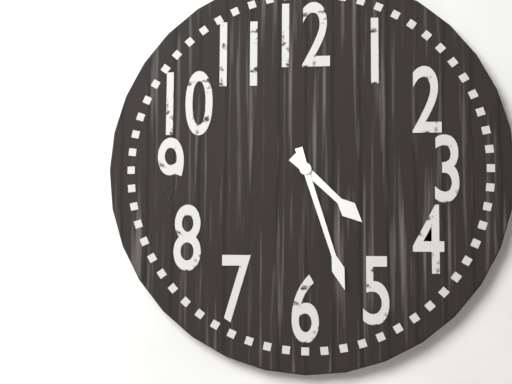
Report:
4:27
